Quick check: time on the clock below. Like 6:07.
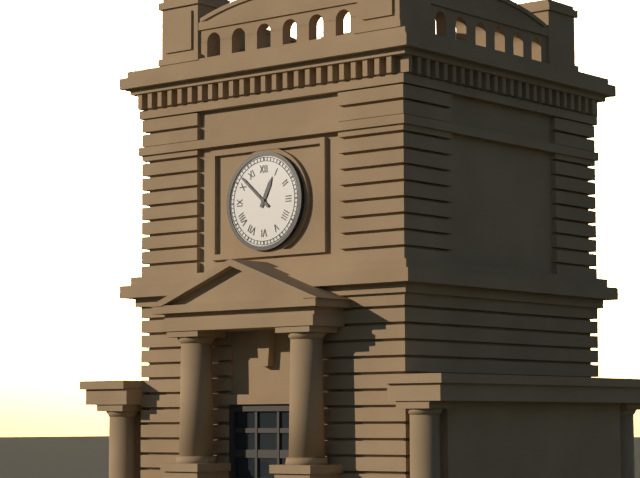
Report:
12:52
